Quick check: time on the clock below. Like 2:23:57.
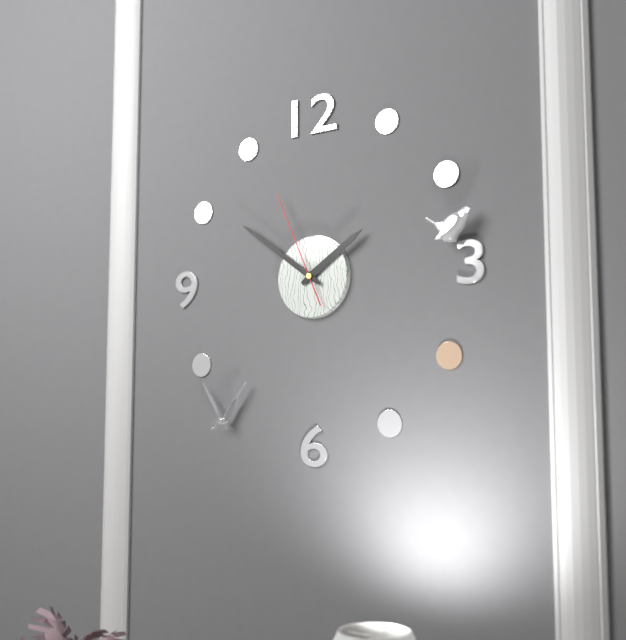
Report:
1:51:56
